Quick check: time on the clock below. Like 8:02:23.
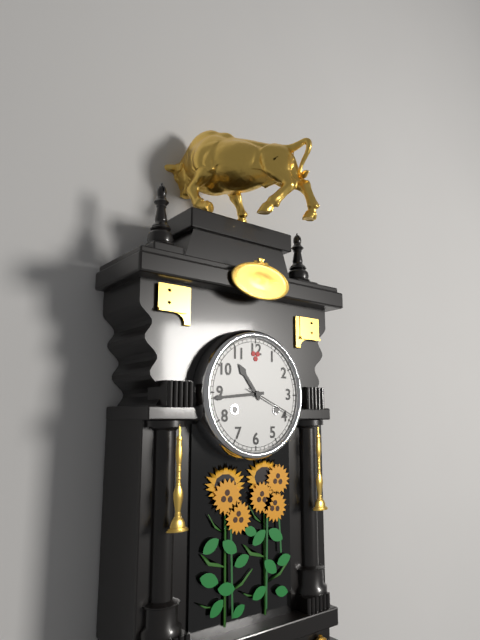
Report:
10:44:19
